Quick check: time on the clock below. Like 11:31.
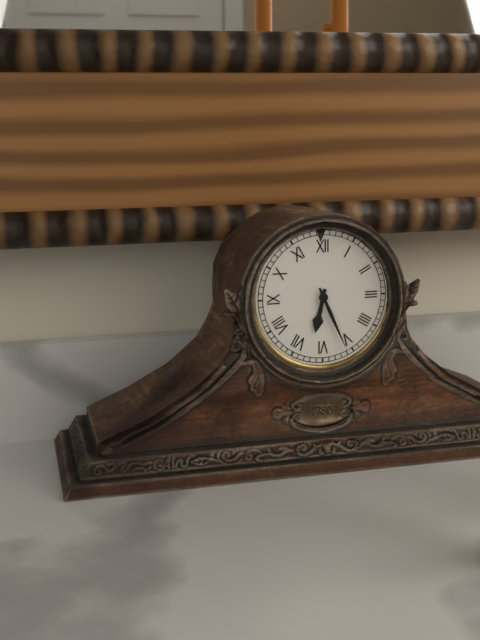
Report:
6:26
